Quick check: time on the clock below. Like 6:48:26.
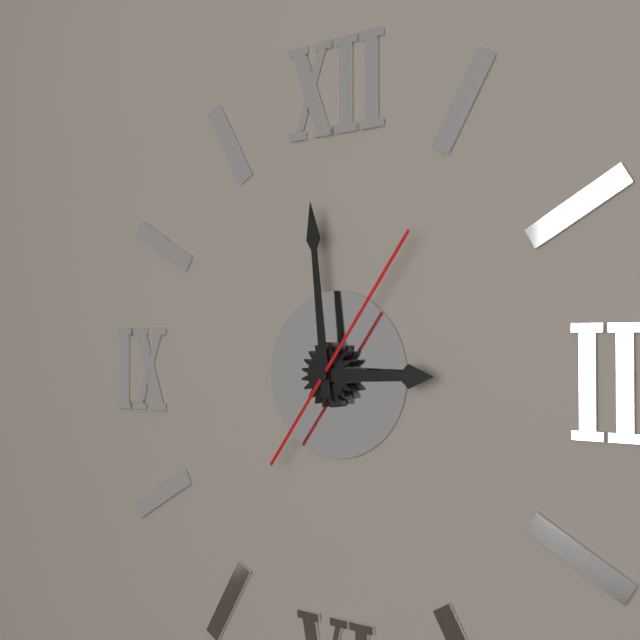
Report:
2:59:06
